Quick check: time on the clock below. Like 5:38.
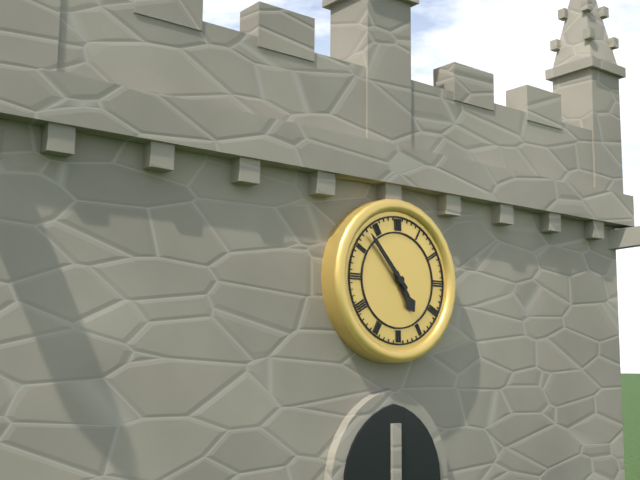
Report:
4:53
